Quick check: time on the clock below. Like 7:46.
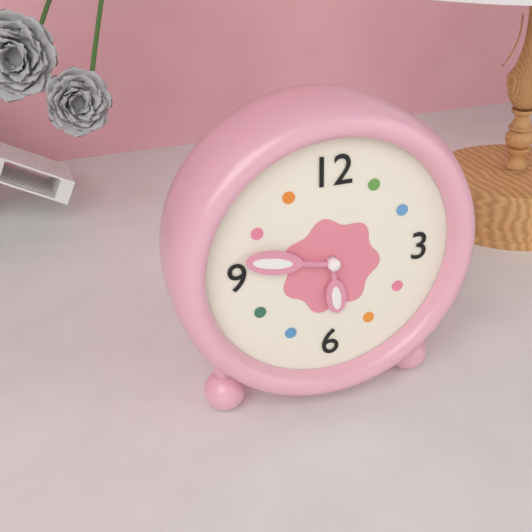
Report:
5:47
